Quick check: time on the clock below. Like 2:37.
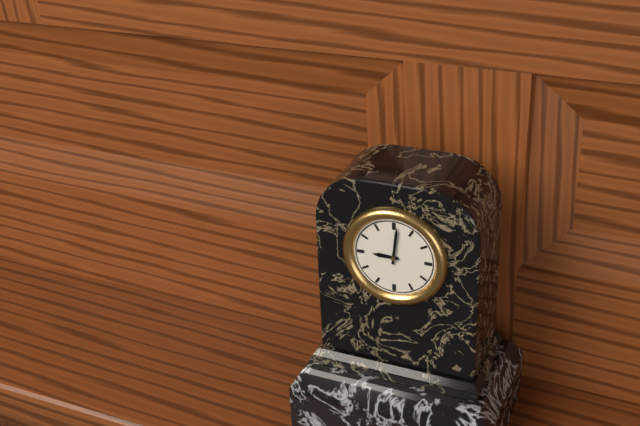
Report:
9:01
